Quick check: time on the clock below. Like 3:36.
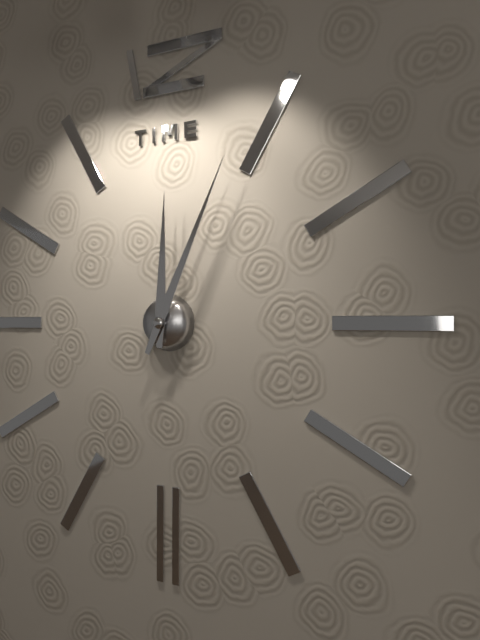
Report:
12:04
